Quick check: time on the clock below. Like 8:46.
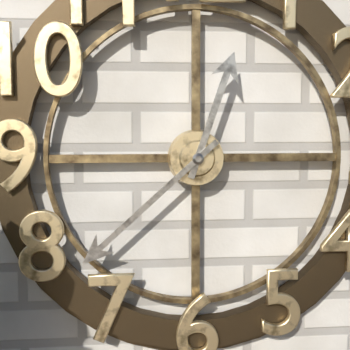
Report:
12:38
